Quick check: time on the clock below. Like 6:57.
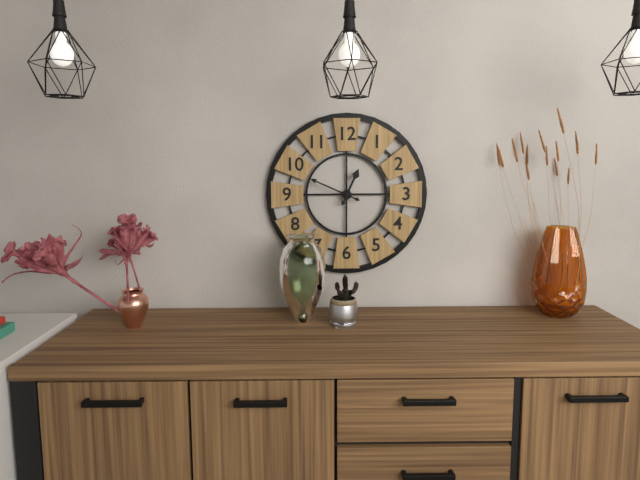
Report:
12:49
